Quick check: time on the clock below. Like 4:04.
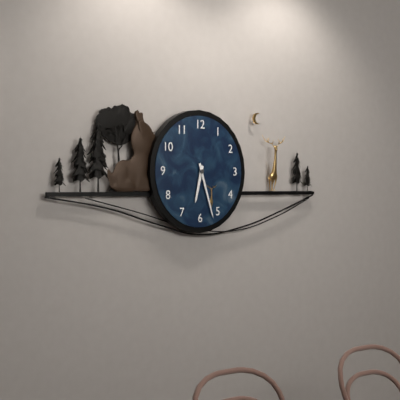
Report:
6:27
